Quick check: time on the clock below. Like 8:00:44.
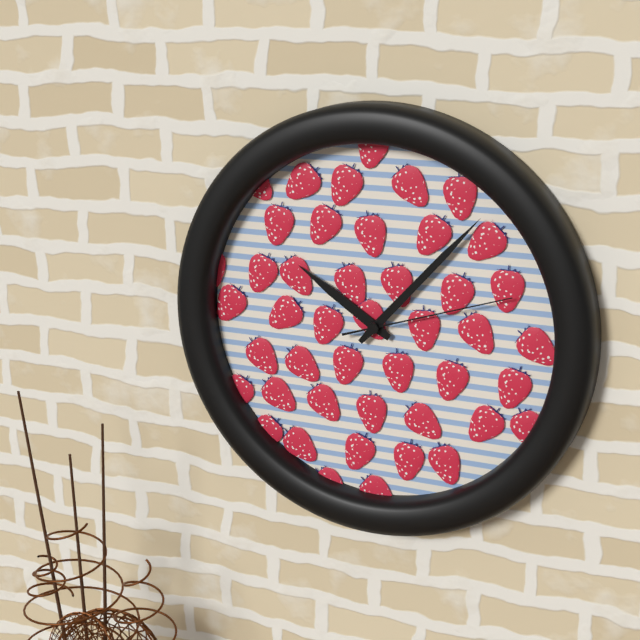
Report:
10:07:12
